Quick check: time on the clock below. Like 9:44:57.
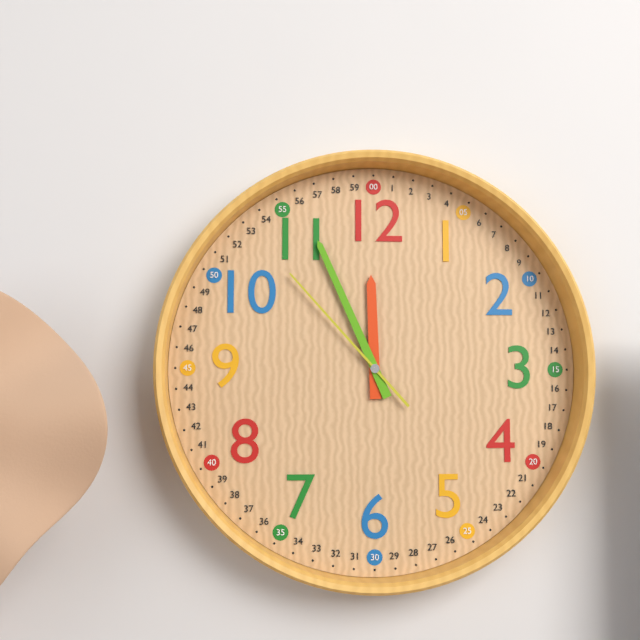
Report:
11:56:53
